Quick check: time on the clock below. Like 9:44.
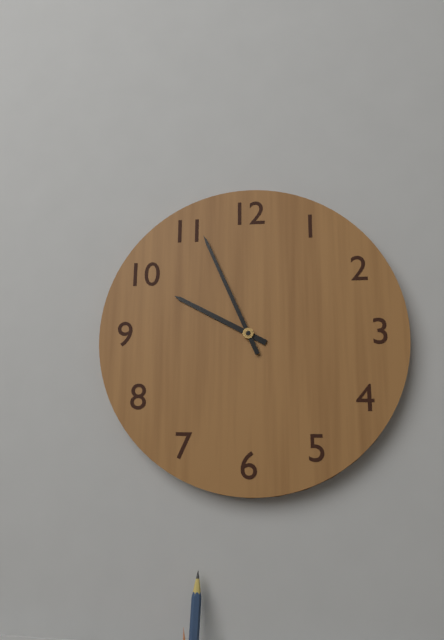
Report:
9:56
